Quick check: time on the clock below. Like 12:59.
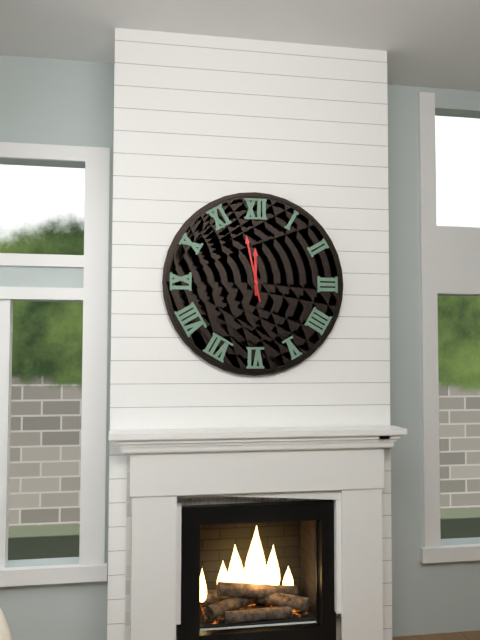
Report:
11:58
